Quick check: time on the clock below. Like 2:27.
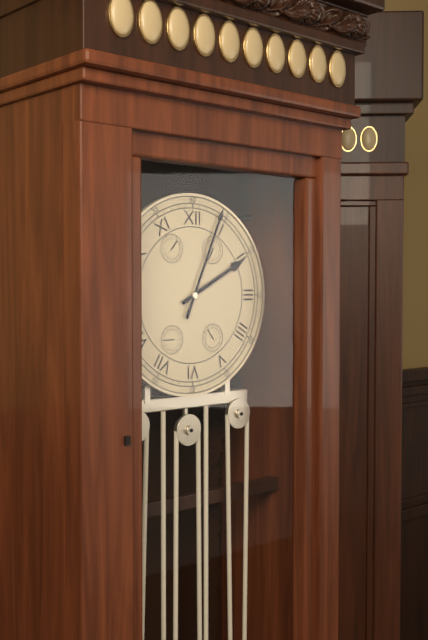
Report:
2:04
